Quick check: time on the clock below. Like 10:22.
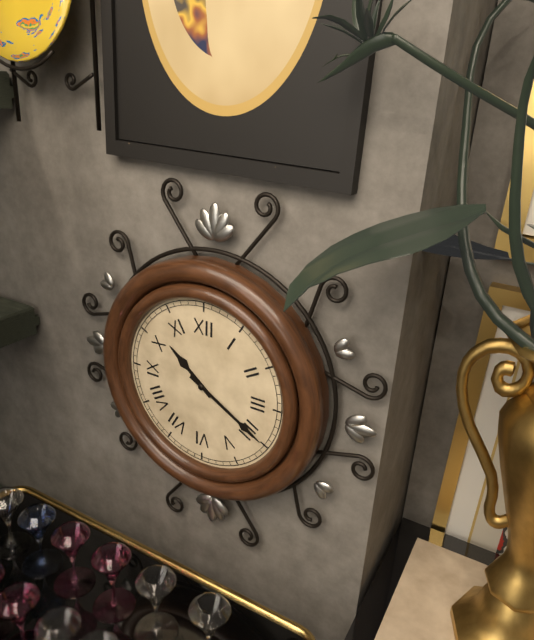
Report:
10:20
